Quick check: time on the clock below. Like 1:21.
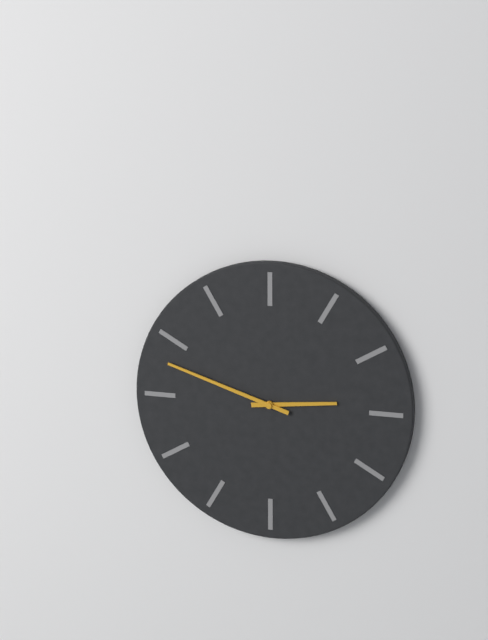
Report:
2:48
